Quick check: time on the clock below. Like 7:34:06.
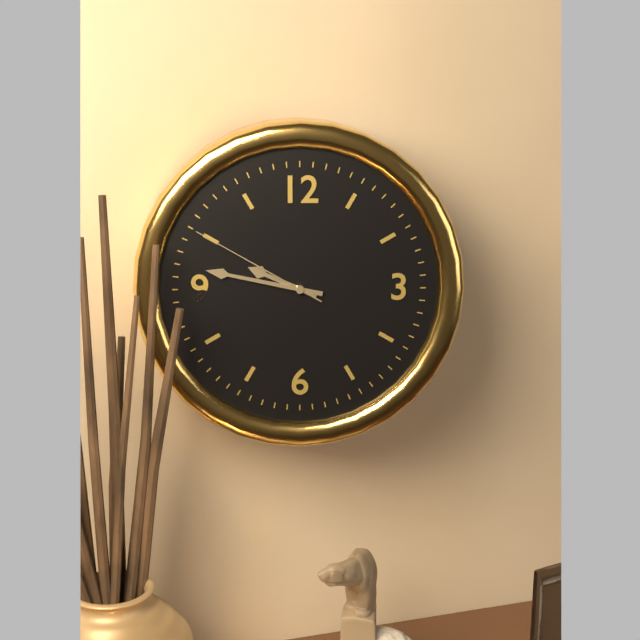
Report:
9:47:50
